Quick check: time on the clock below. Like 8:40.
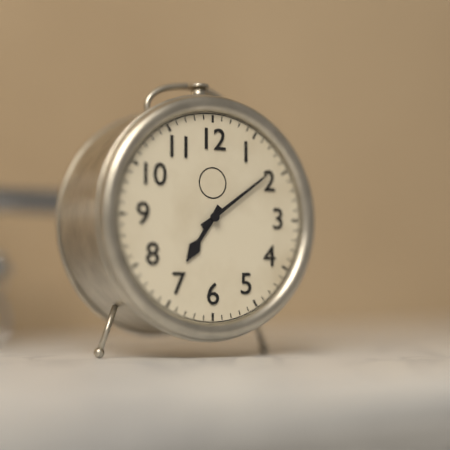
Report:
7:09
